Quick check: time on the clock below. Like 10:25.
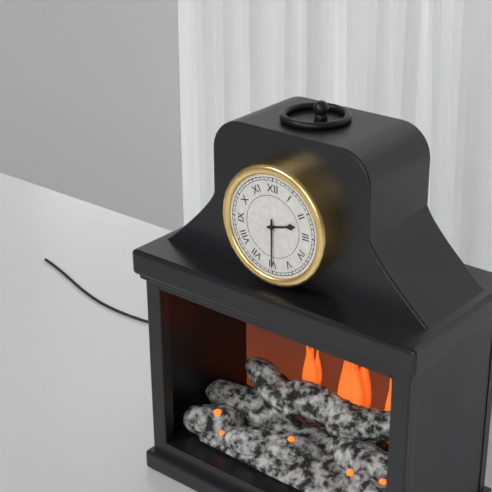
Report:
2:30
